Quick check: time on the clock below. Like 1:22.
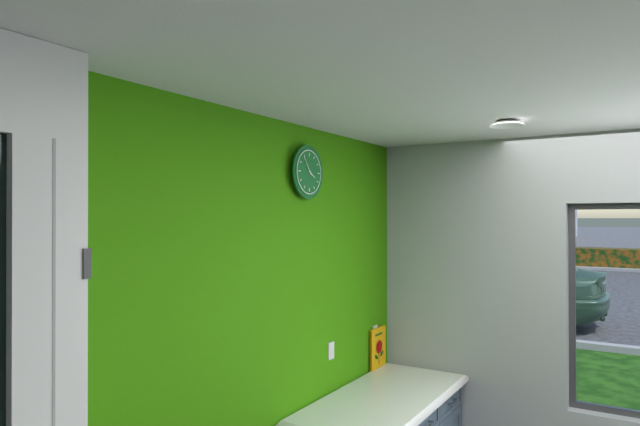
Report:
3:54
